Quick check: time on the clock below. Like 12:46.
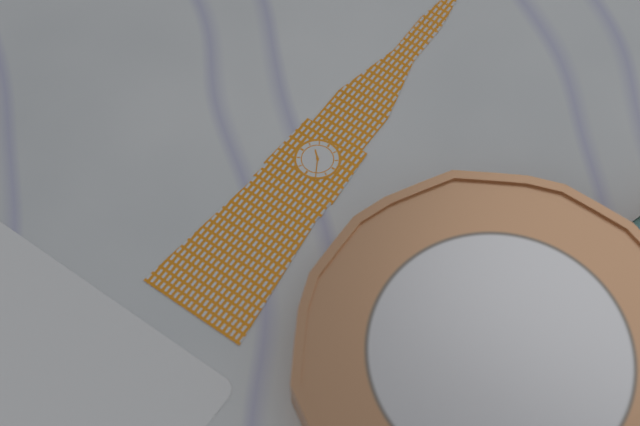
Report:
10:25
